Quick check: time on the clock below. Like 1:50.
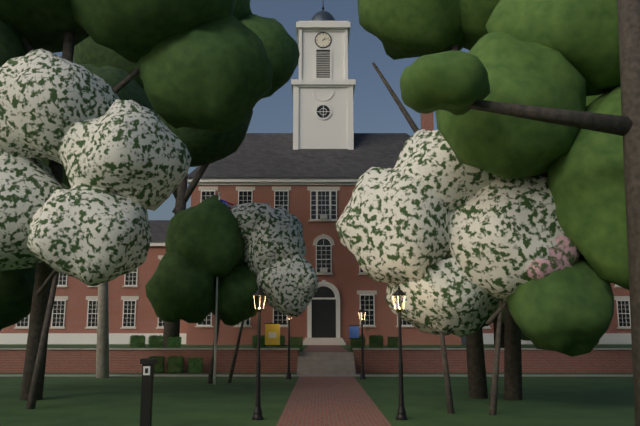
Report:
1:12
